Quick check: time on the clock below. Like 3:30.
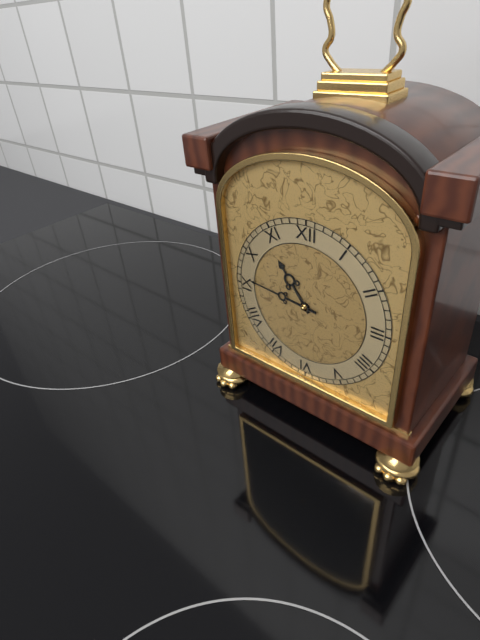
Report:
10:46
